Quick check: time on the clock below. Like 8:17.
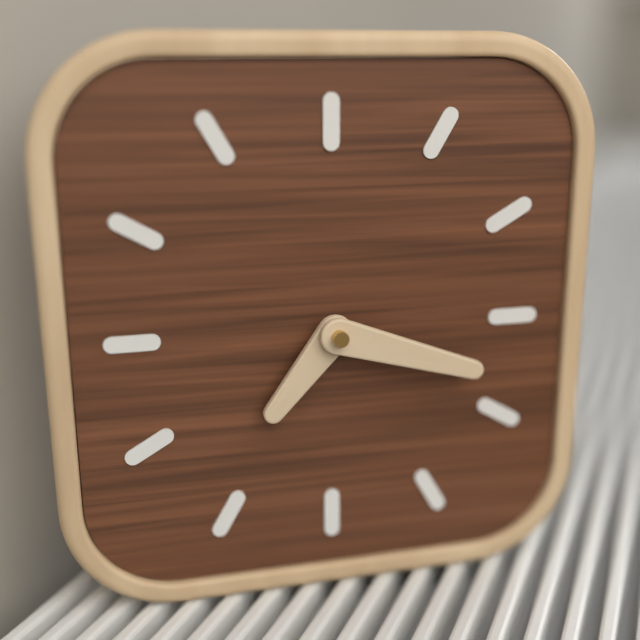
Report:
7:18
